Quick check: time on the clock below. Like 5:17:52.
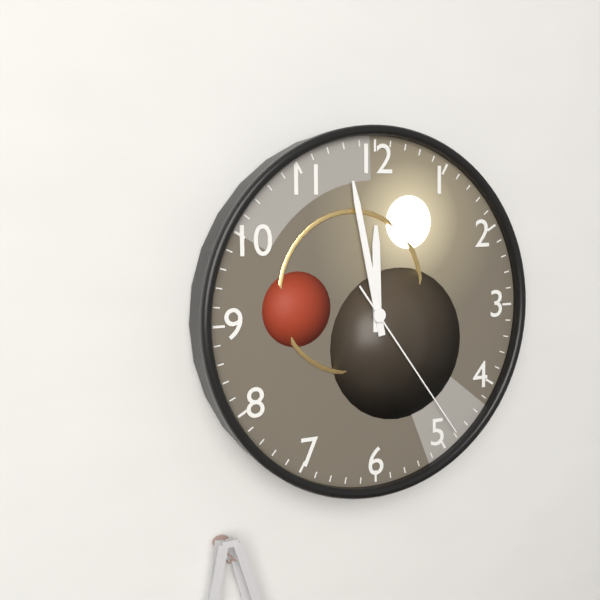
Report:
11:58:24
